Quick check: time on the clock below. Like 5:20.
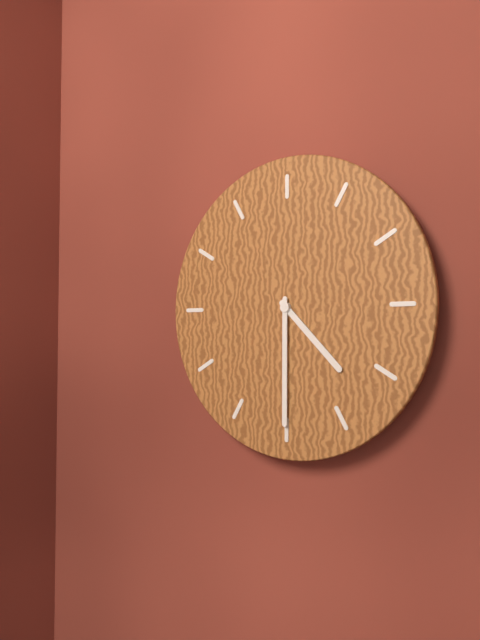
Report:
4:30
